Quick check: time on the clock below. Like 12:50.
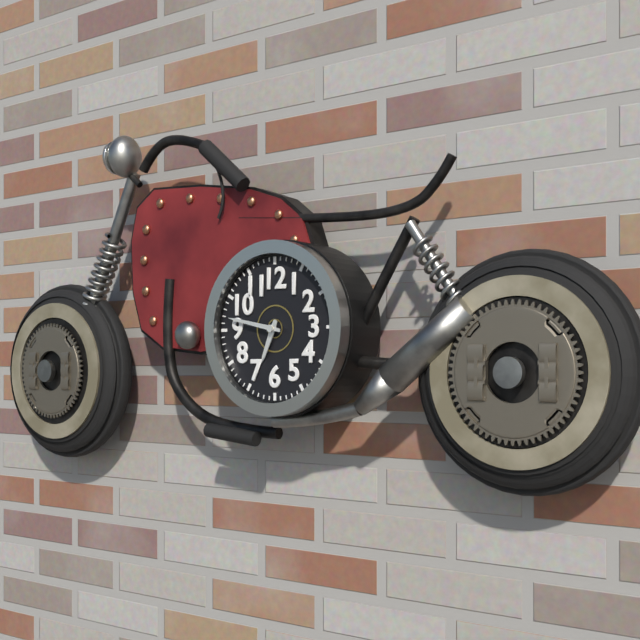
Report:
6:47
